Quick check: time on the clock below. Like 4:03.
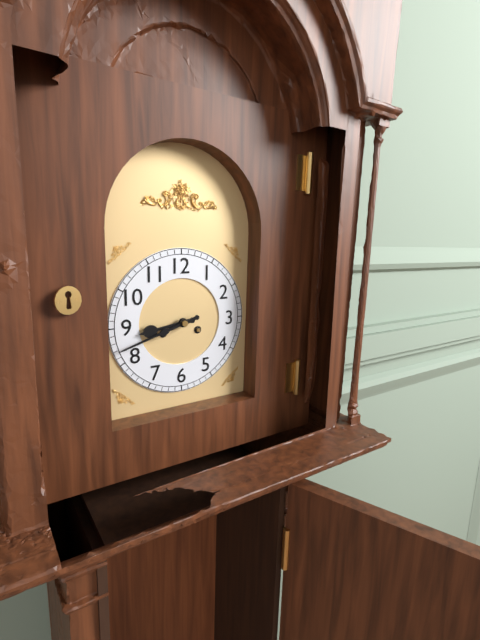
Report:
8:42
